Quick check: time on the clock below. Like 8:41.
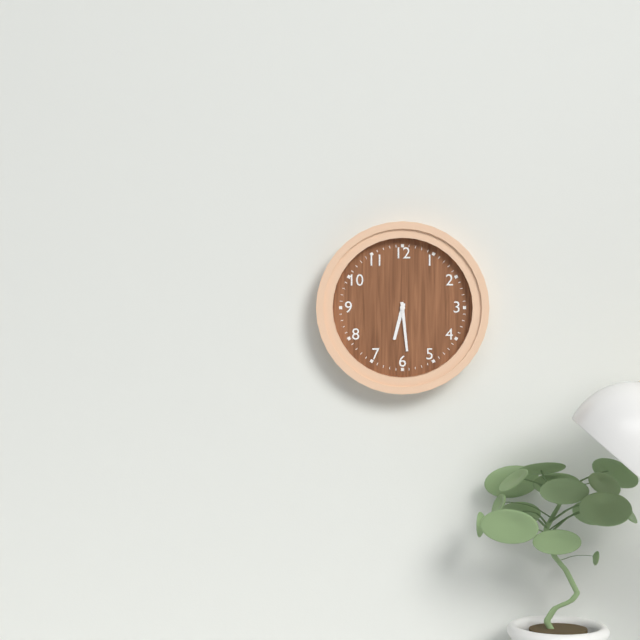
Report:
6:29
